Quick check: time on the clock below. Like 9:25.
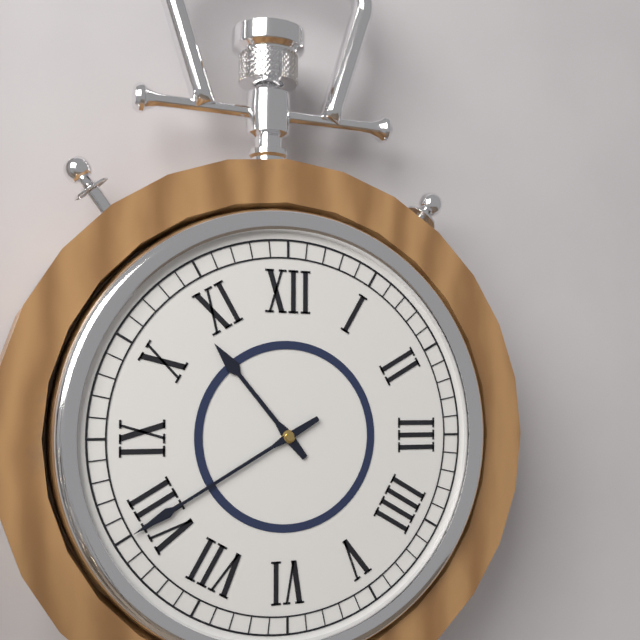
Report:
10:40
